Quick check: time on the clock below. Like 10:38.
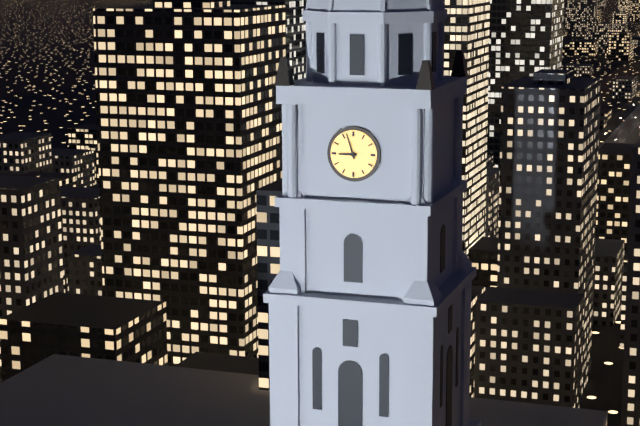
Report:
8:57
